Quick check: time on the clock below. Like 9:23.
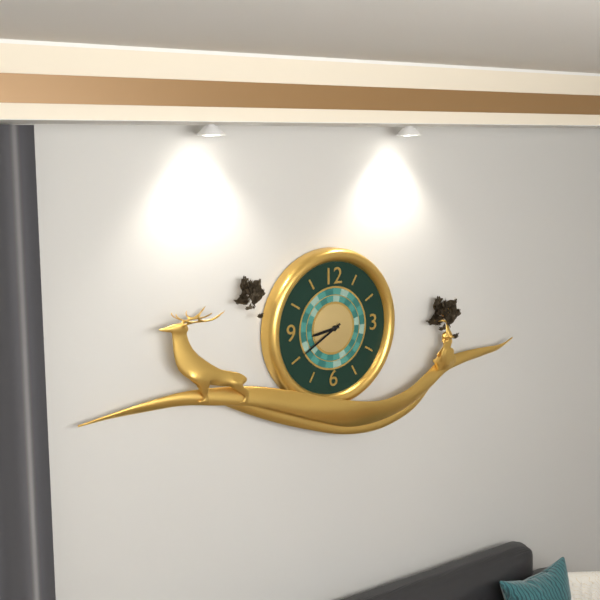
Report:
8:40
